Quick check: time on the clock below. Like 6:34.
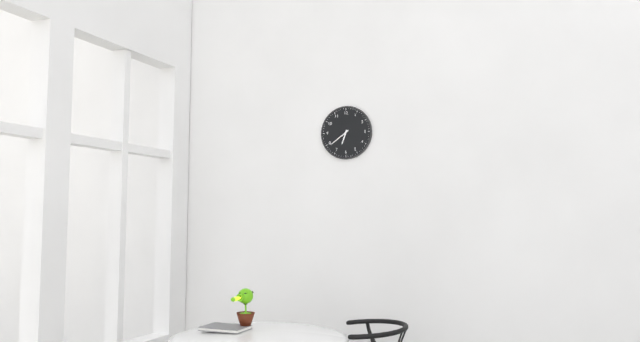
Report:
6:39
